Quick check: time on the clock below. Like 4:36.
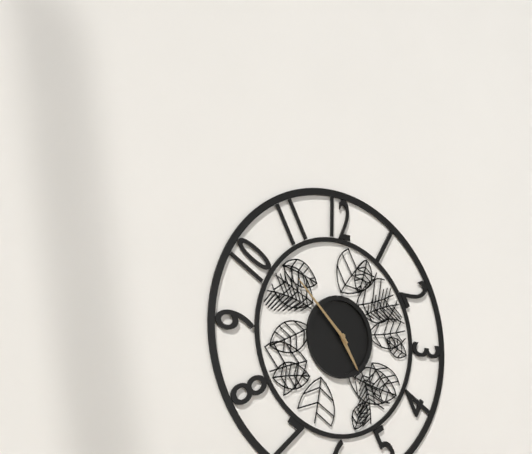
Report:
4:52
